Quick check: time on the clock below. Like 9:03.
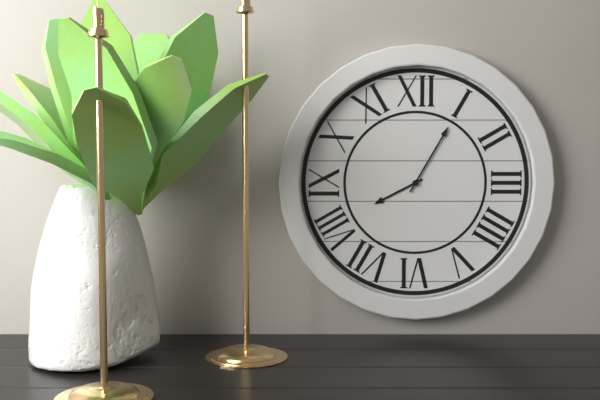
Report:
8:05
